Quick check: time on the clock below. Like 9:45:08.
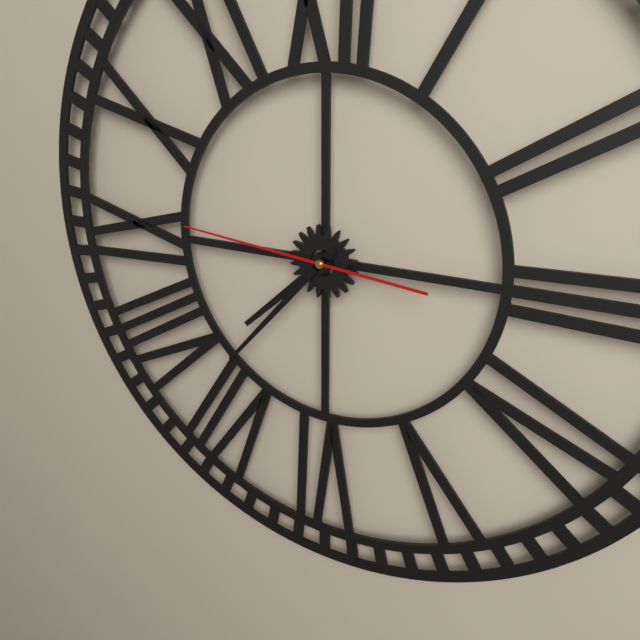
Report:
7:37:46
